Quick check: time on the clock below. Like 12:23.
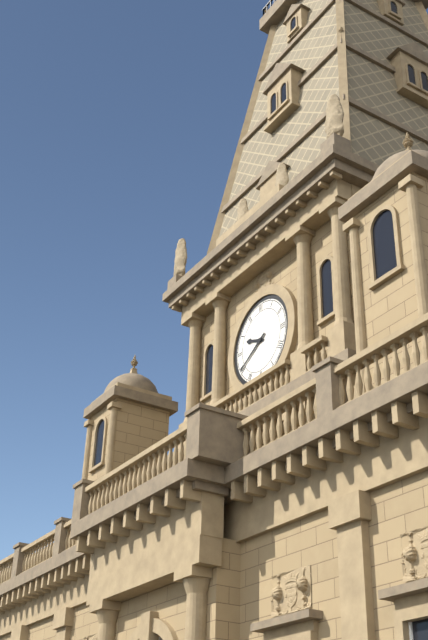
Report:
9:40
